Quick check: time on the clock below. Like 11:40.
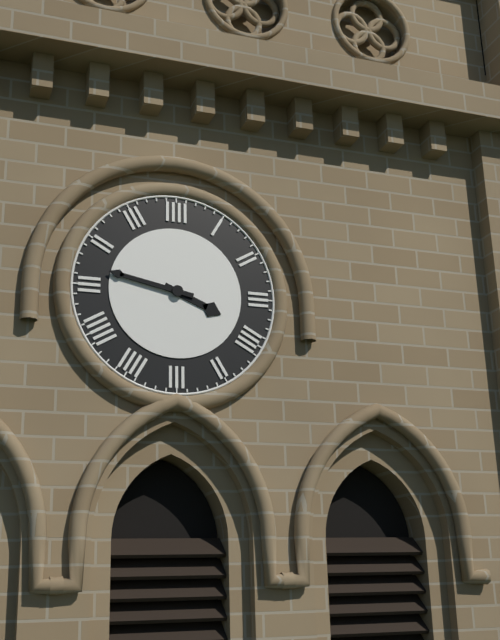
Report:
3:47
